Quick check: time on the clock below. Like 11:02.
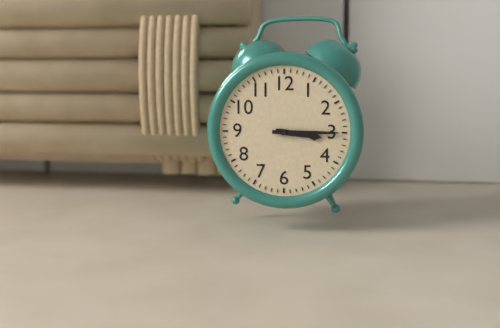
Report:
3:15
